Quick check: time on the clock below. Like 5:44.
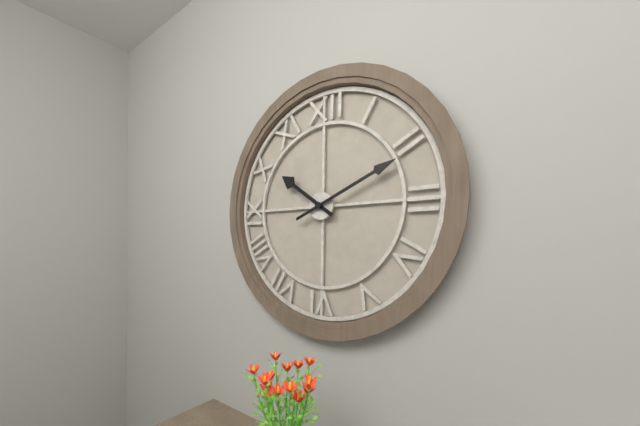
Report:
10:11
